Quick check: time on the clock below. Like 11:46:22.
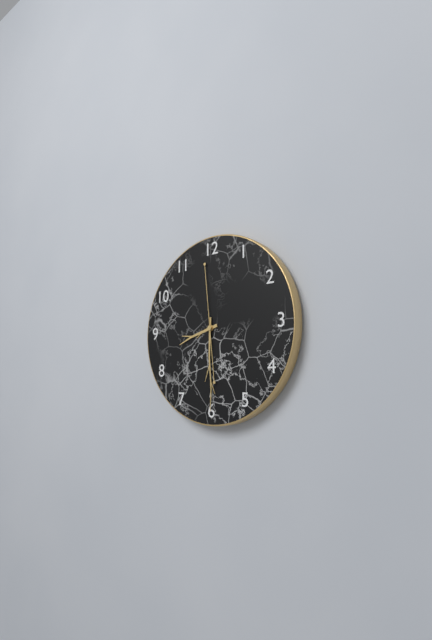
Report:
8:30:59
